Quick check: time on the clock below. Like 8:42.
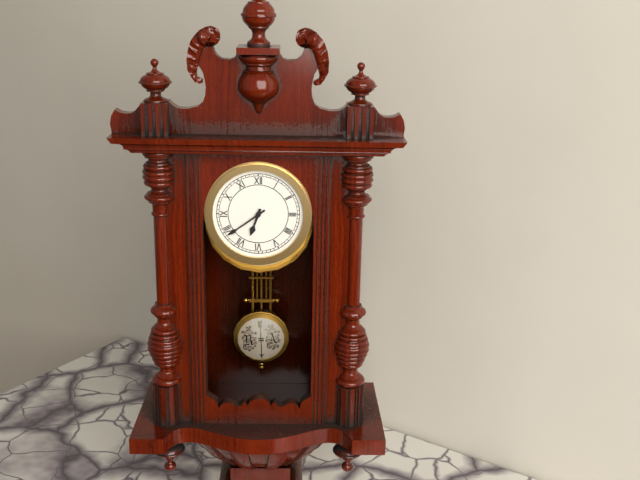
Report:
6:39
